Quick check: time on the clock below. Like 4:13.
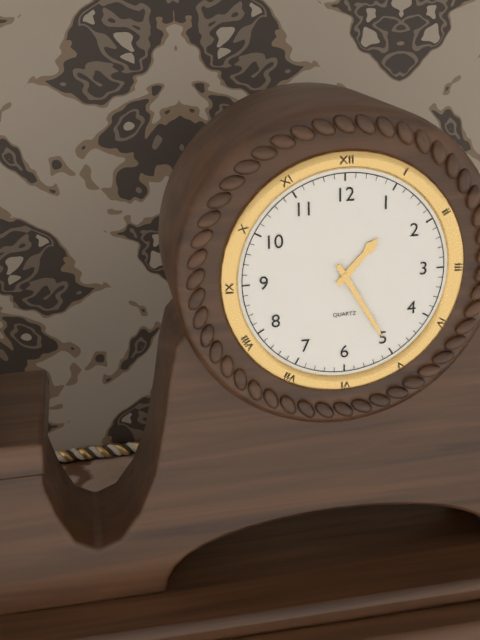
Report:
1:25
